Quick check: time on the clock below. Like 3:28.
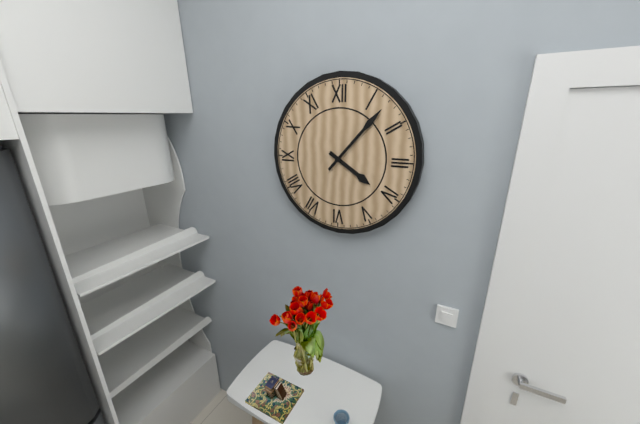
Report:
4:07
